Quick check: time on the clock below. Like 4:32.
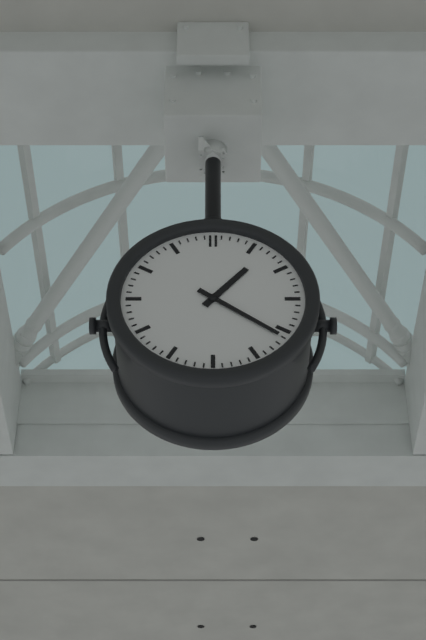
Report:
1:21
